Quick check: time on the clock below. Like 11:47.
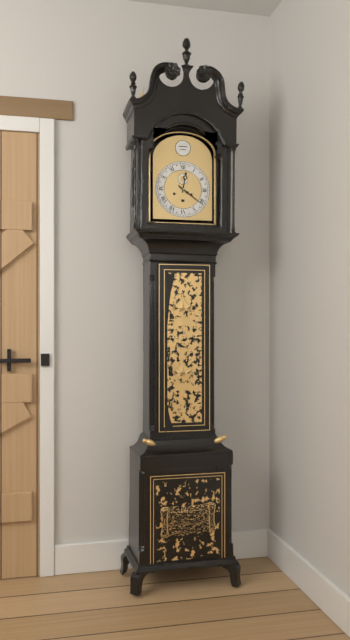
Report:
12:21
